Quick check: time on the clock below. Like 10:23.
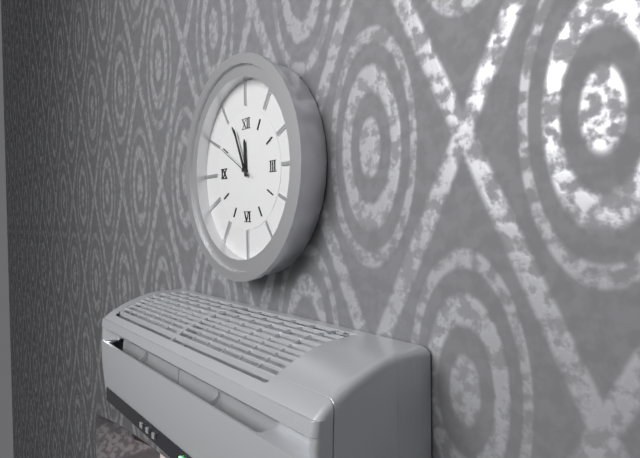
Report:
11:56
